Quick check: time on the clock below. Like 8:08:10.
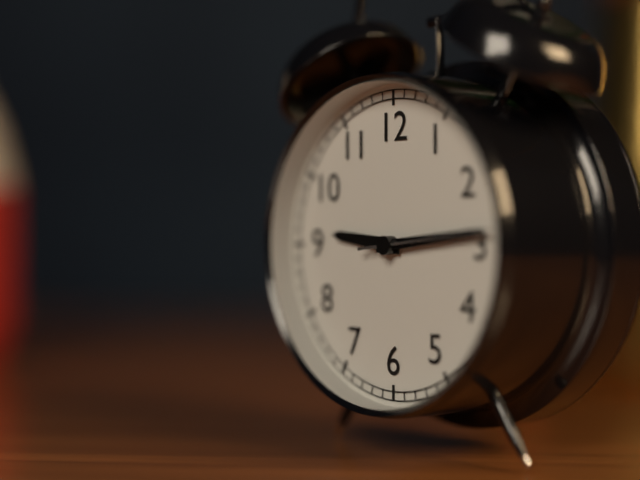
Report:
9:14:14
